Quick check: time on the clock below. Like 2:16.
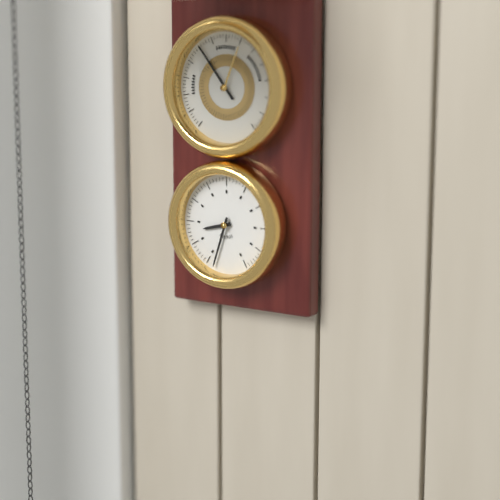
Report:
8:33
